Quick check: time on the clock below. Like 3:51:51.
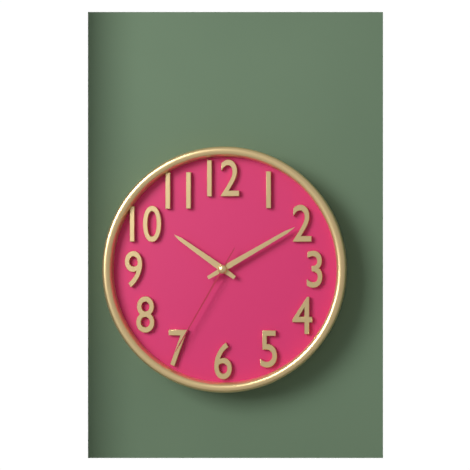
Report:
10:10:35
